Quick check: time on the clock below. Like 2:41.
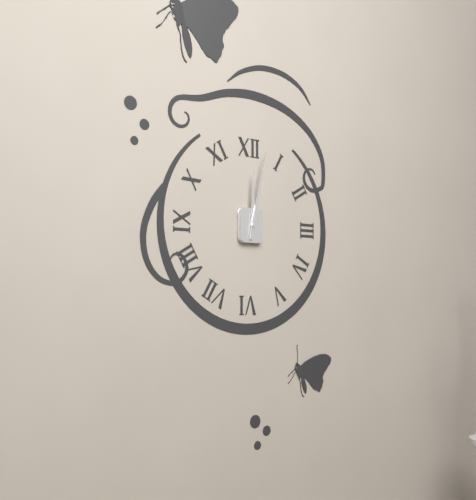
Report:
12:02
